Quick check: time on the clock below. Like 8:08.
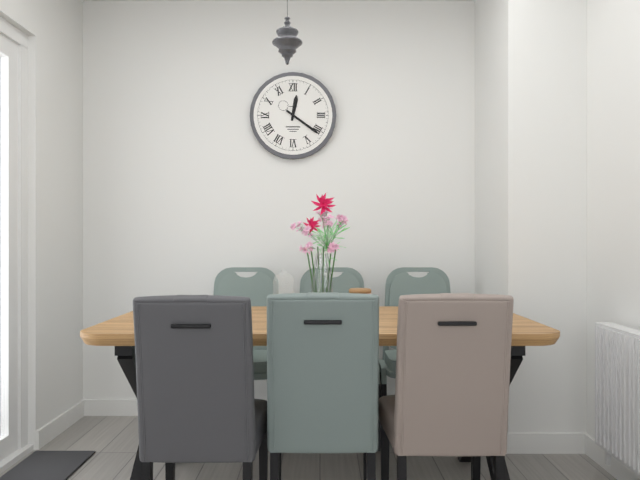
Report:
12:21
